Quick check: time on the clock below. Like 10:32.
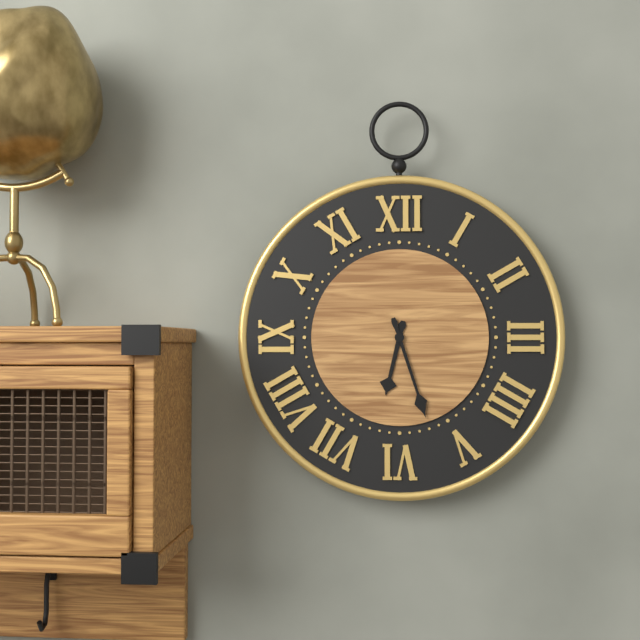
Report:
6:27
